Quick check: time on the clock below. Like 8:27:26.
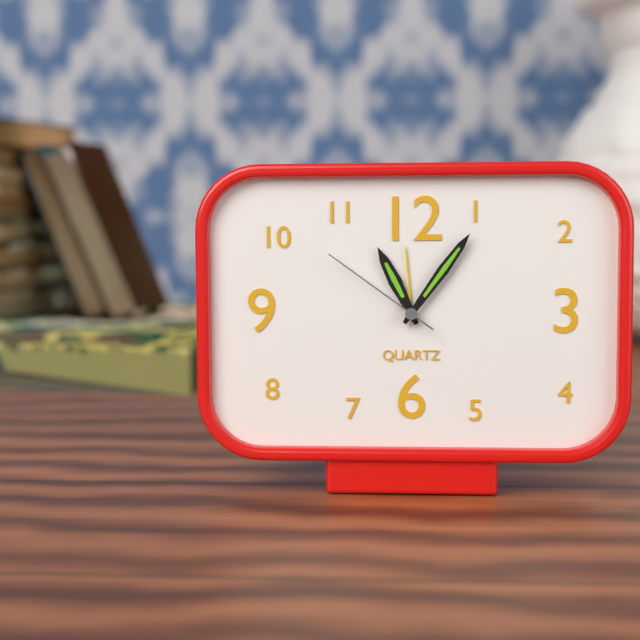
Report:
11:06:51
